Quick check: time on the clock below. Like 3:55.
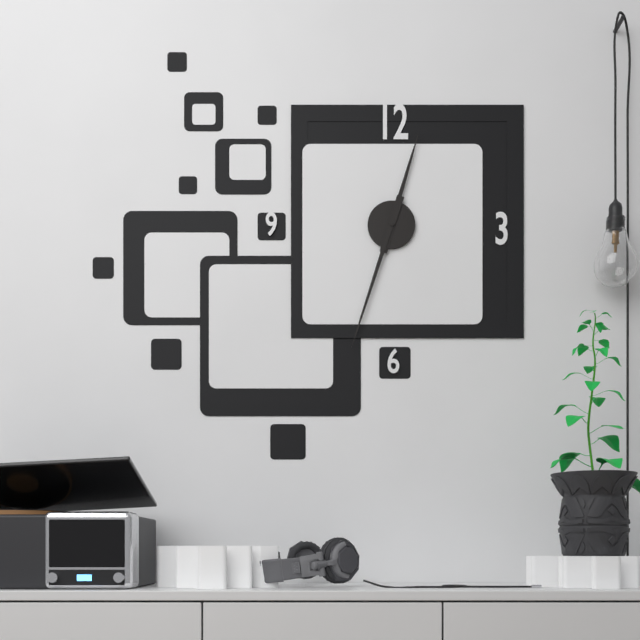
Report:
12:33
